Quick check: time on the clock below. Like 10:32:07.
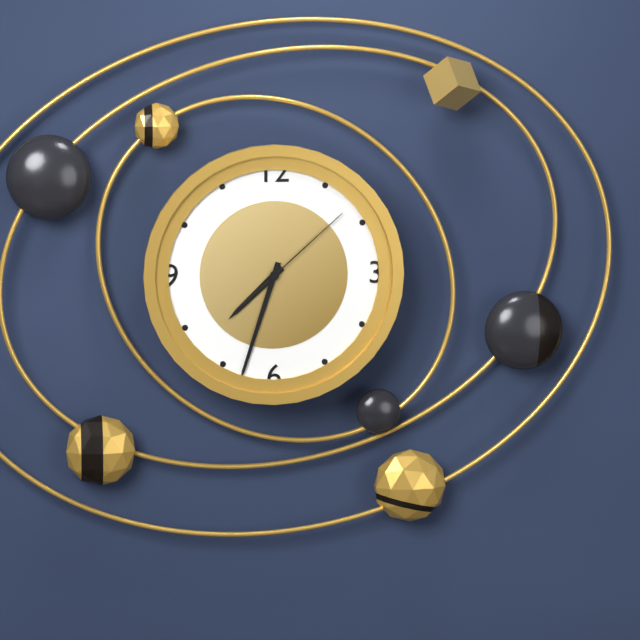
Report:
7:33:08
